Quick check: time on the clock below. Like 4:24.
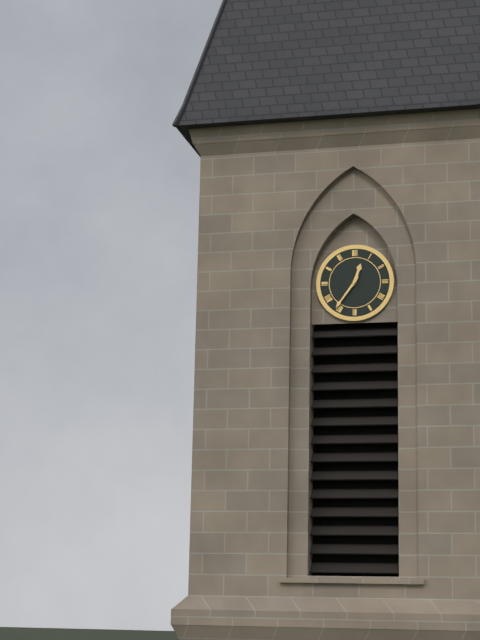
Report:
12:36
